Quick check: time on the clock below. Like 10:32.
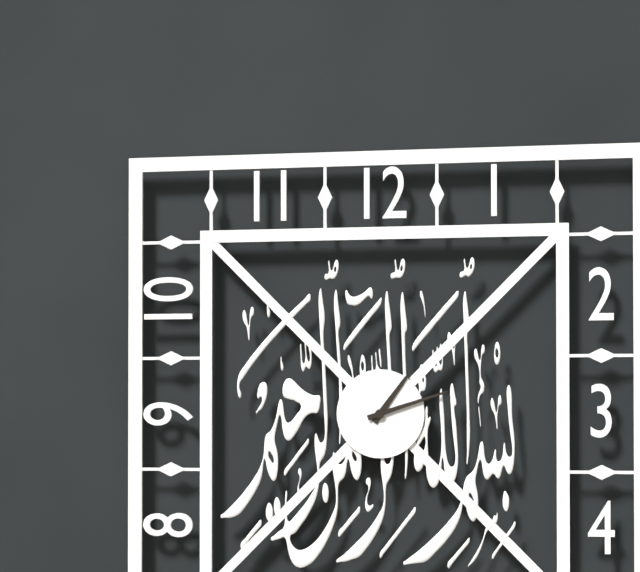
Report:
1:12
